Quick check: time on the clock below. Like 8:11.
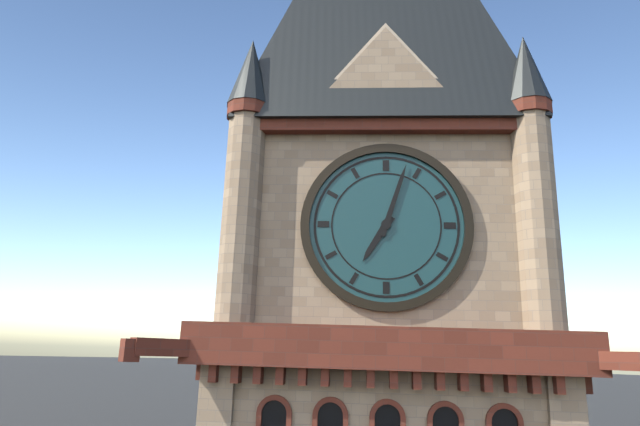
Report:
7:03
